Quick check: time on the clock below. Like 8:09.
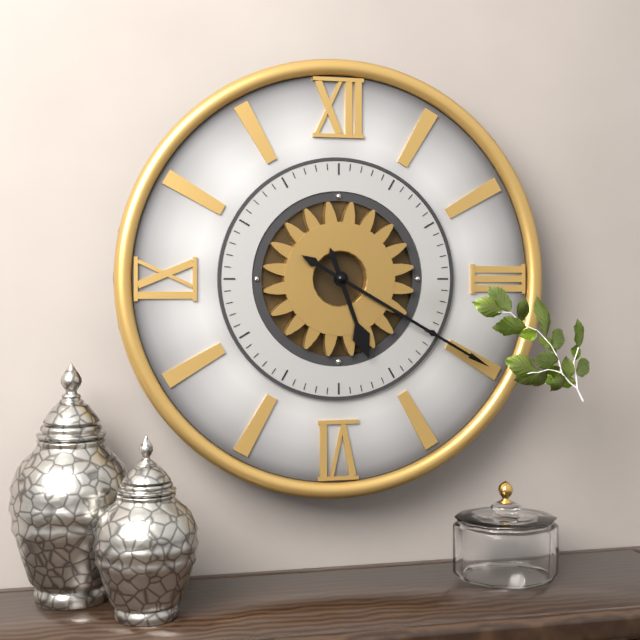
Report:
5:20
